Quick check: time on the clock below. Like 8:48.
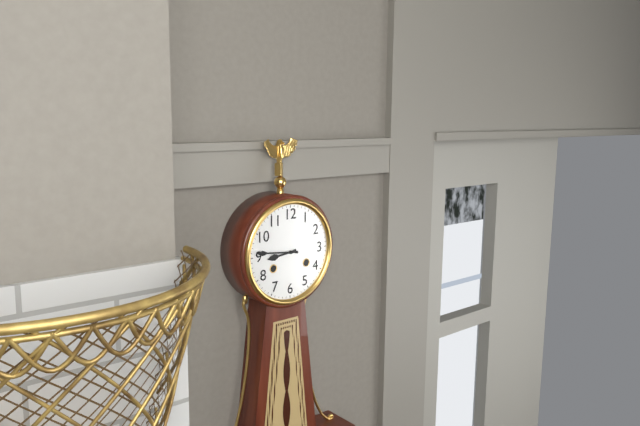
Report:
8:46
